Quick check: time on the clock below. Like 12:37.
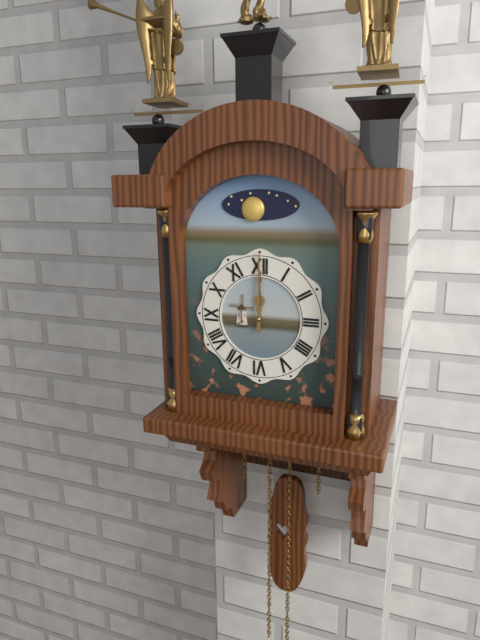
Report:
12:00
